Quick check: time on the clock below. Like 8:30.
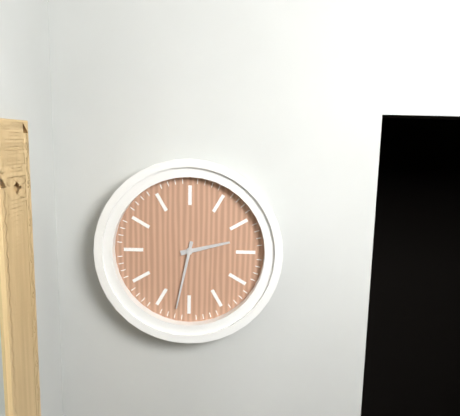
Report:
2:32
